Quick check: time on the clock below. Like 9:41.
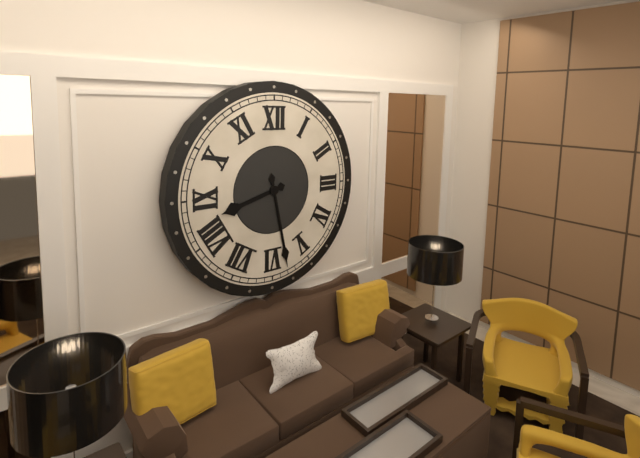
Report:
8:28
